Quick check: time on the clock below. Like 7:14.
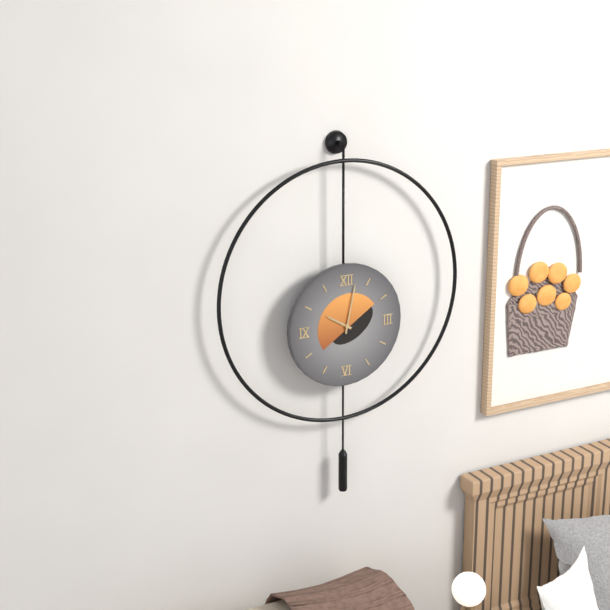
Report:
10:02
